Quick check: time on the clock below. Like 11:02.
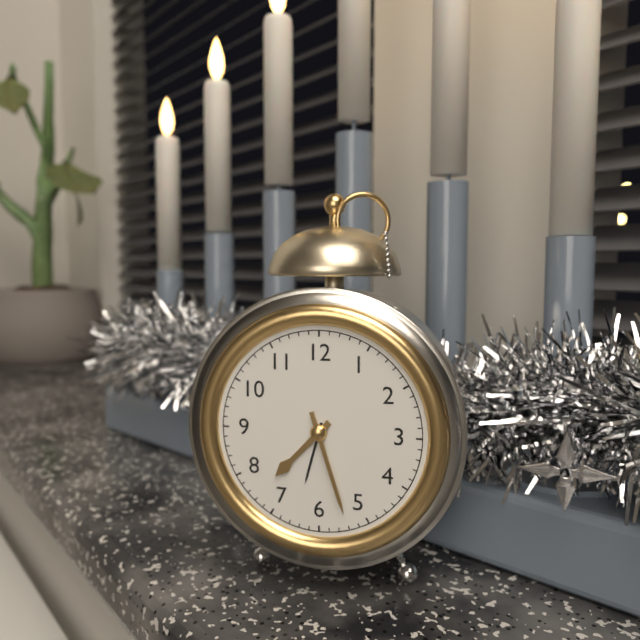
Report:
7:27
